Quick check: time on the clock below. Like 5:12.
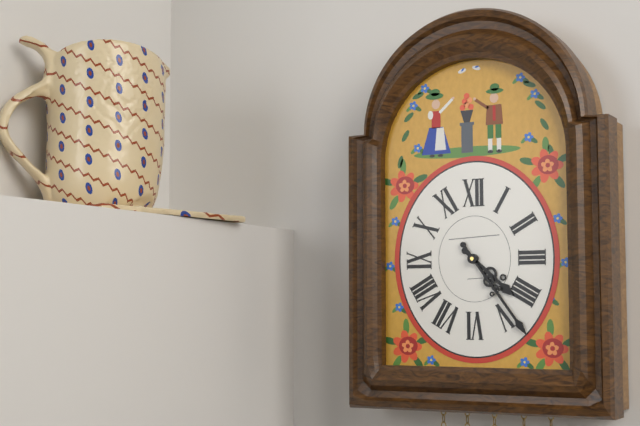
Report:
4:24
